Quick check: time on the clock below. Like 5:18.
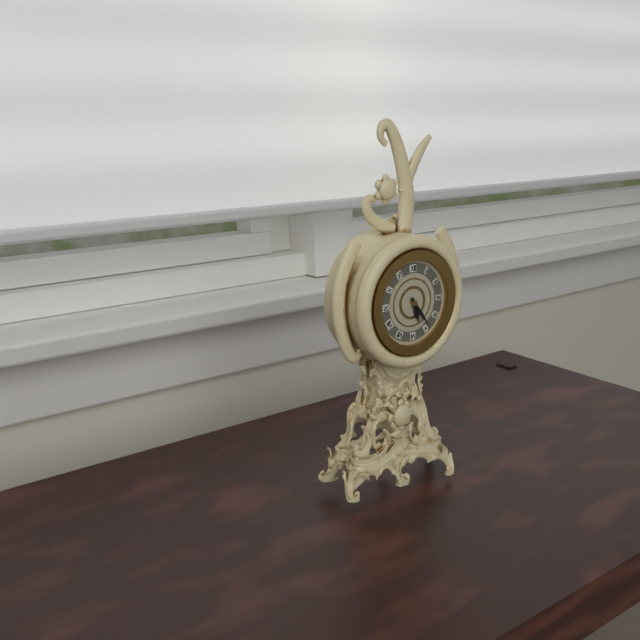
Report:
5:24
